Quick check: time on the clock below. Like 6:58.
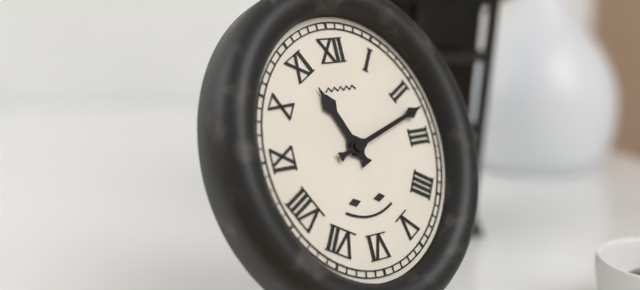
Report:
11:12
